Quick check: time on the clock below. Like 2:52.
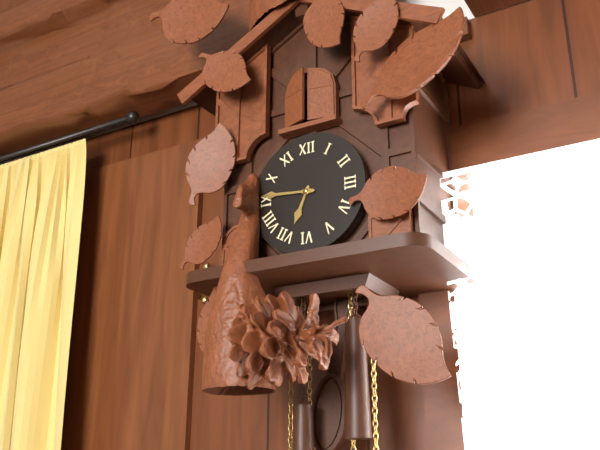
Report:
6:46
